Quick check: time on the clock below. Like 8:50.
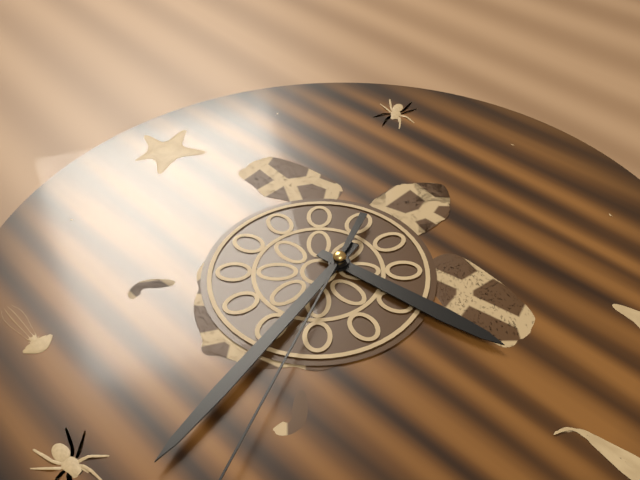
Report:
5:43
